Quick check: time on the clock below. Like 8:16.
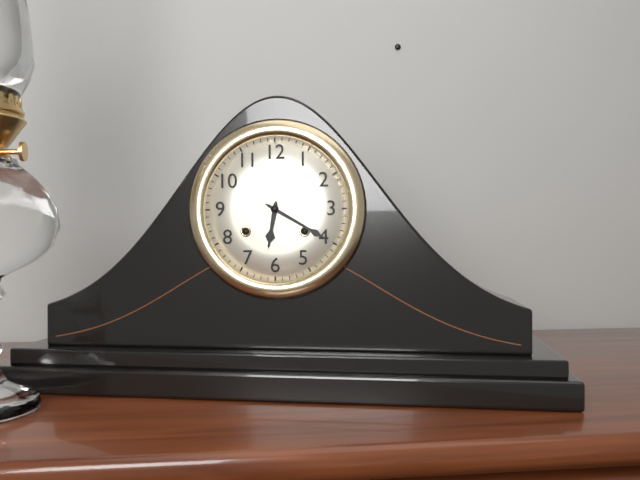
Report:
6:20
